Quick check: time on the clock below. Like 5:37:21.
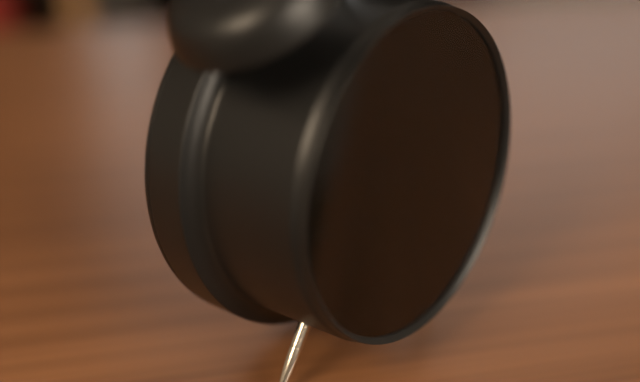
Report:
7:50:36
